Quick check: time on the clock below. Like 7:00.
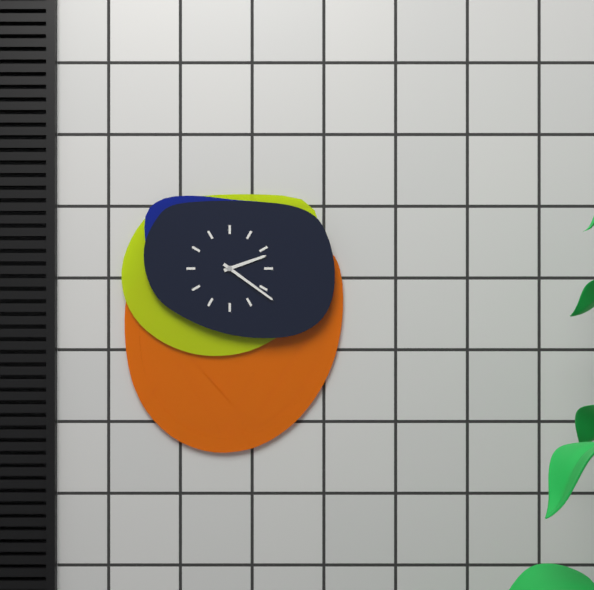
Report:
2:21
